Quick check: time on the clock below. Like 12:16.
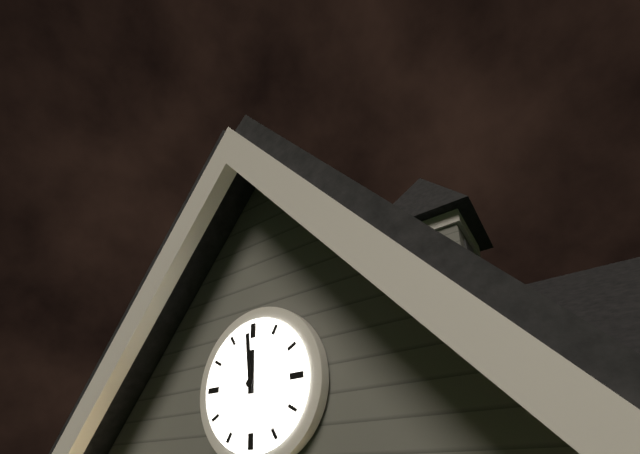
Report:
11:59
